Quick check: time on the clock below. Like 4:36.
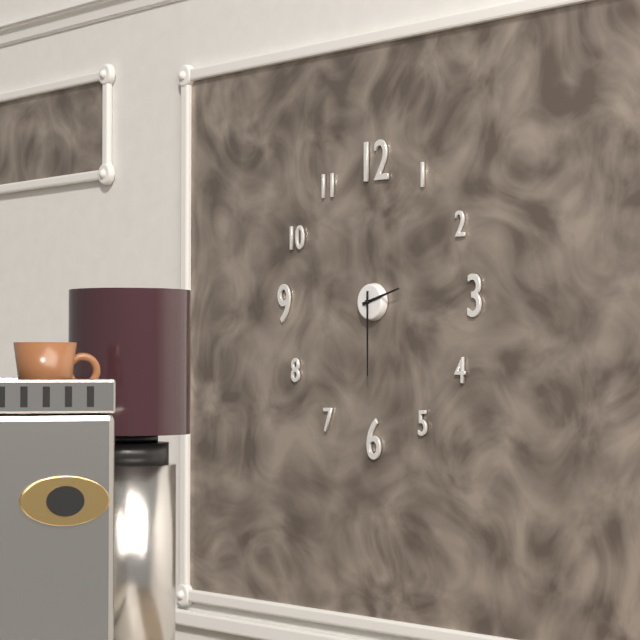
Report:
2:30
